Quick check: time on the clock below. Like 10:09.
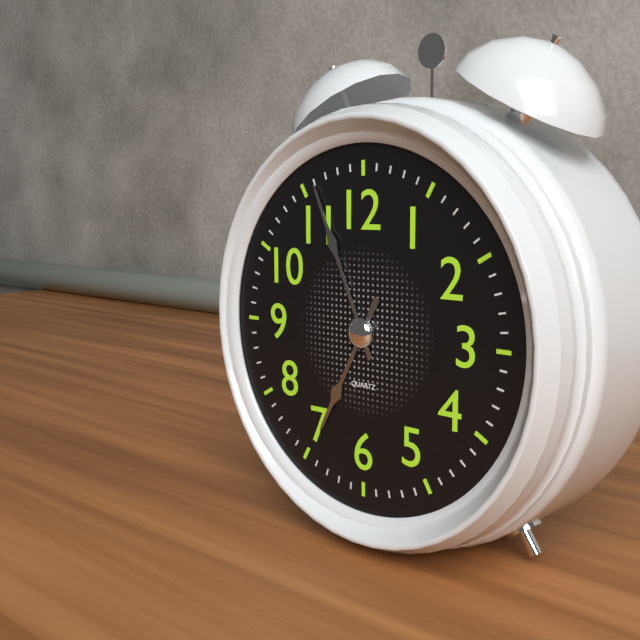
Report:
6:56
